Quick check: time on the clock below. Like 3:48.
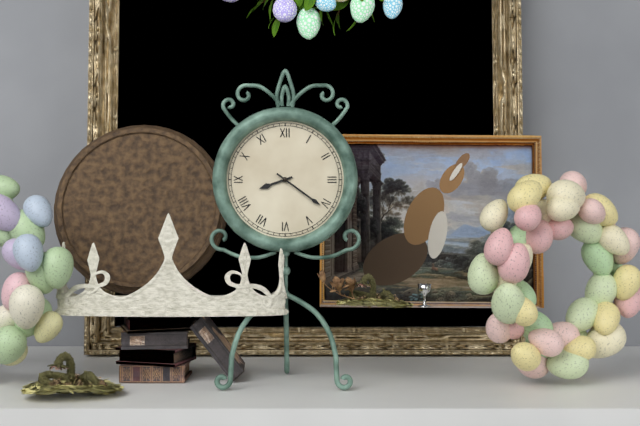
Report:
8:21
